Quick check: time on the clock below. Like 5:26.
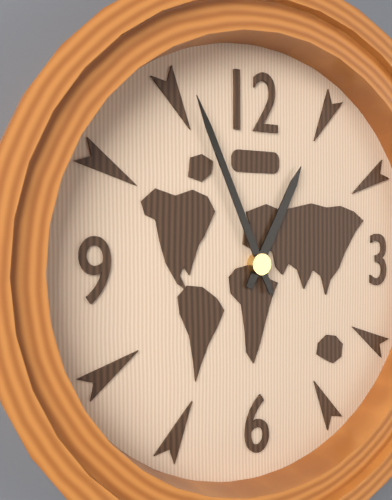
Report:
12:56
